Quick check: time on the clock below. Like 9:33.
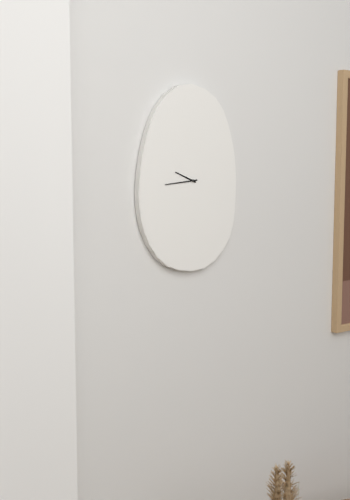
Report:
9:44
